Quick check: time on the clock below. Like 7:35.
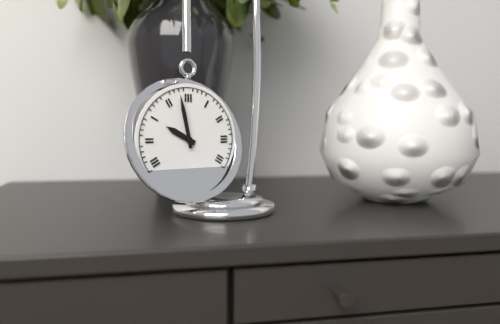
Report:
9:58
